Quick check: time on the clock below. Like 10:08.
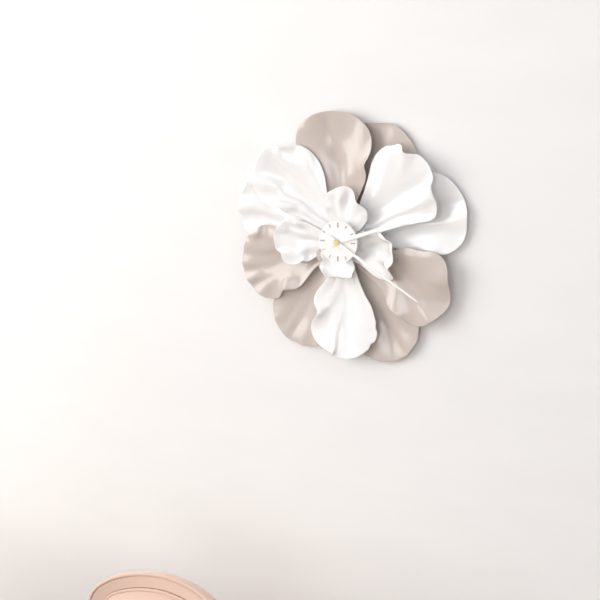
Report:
2:20
